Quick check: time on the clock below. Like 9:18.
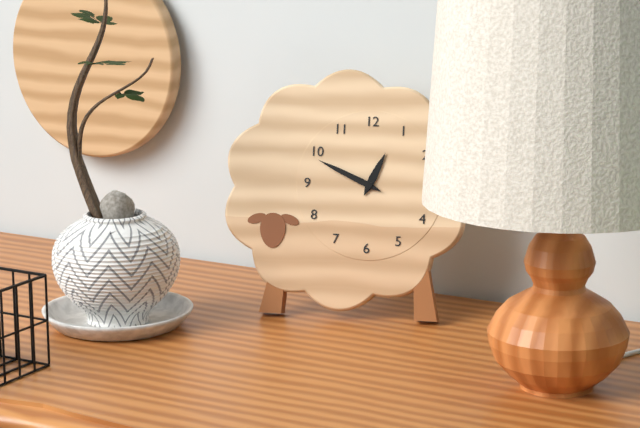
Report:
12:49
